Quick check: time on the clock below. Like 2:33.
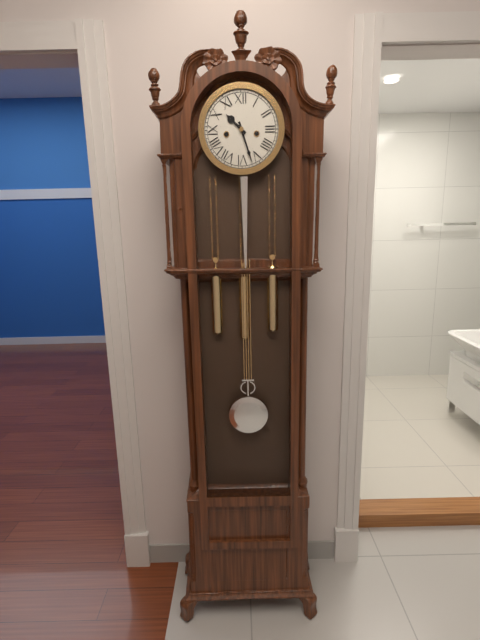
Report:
10:27
